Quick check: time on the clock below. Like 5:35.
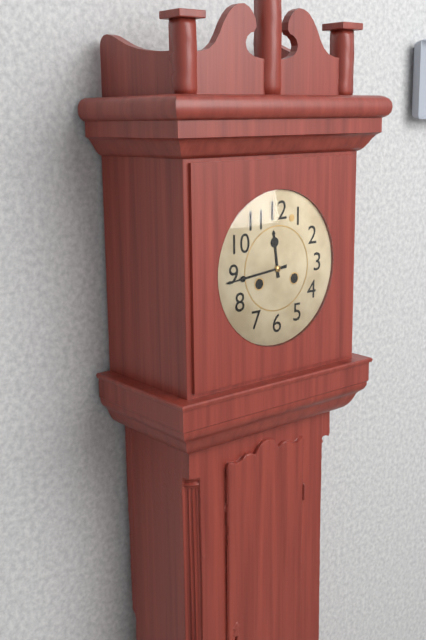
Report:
11:44
